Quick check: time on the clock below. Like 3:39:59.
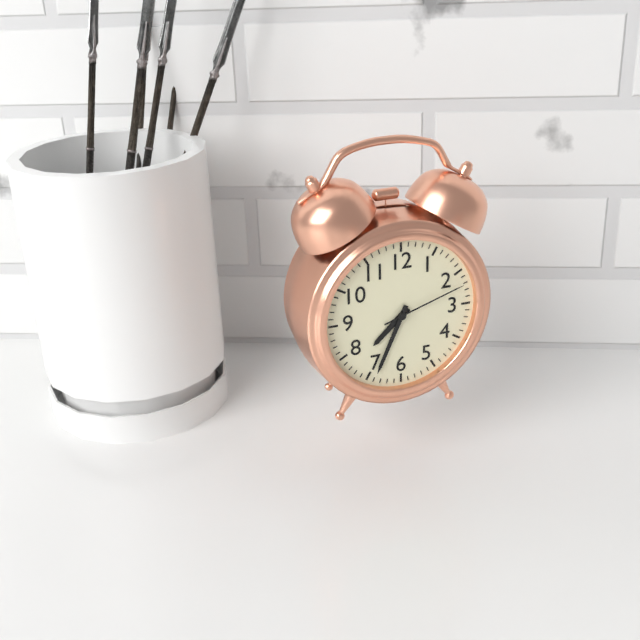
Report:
7:34:12
